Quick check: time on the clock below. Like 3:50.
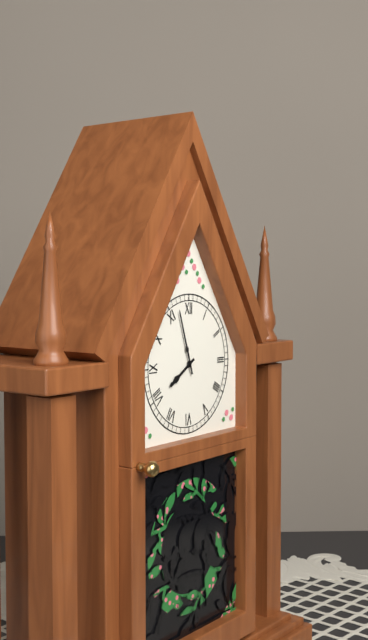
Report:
7:57
